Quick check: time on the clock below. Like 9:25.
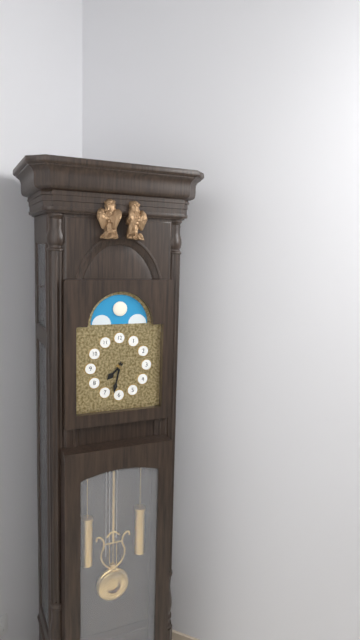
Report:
7:32
